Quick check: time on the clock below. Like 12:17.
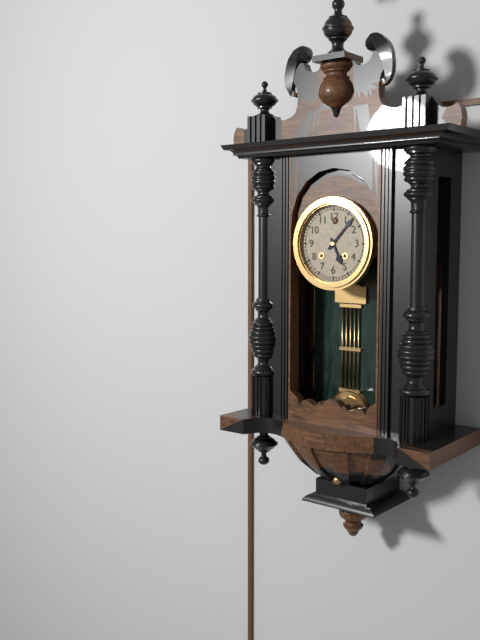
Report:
5:07
